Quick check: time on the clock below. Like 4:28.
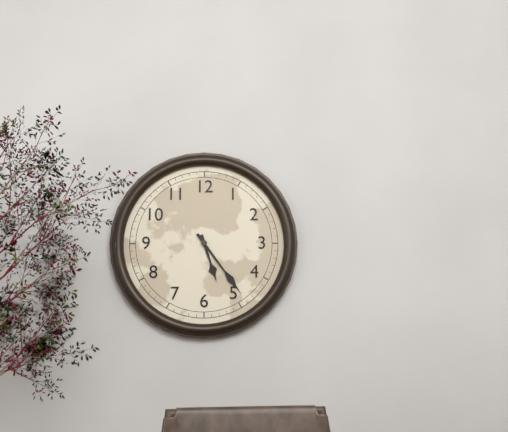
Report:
5:24
